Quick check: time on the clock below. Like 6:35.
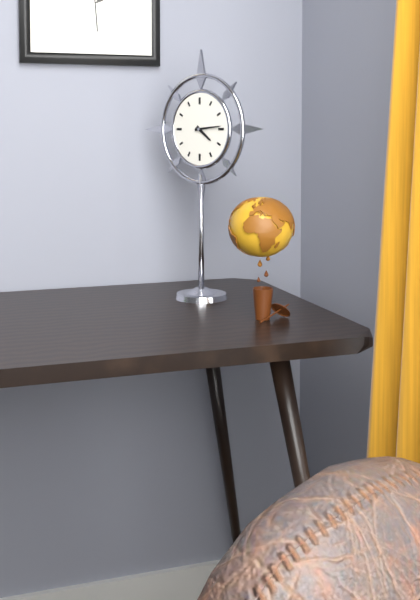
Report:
4:14
